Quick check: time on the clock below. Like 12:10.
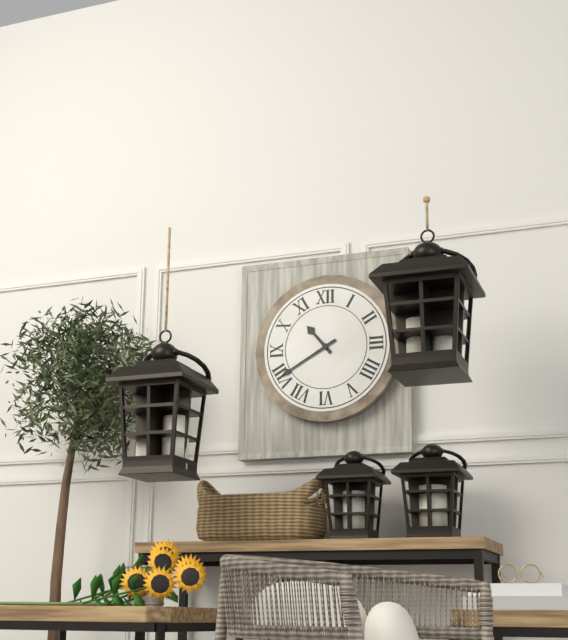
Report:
10:40
